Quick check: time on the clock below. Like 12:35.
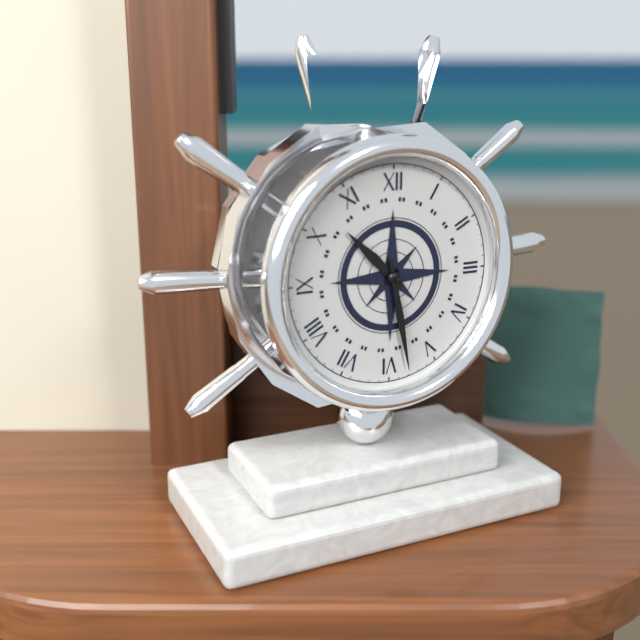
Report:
10:28
